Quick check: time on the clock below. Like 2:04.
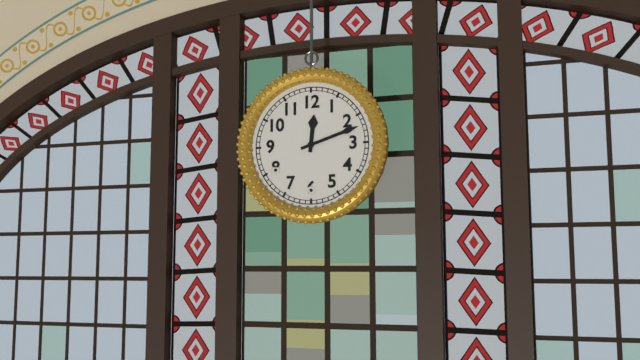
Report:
12:12
